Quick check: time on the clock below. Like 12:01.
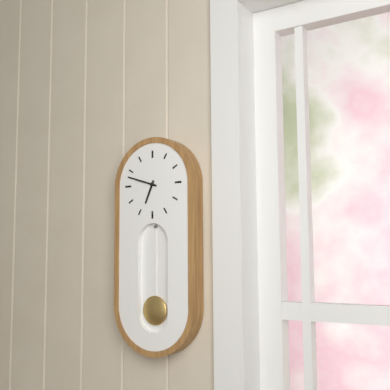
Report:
6:48
